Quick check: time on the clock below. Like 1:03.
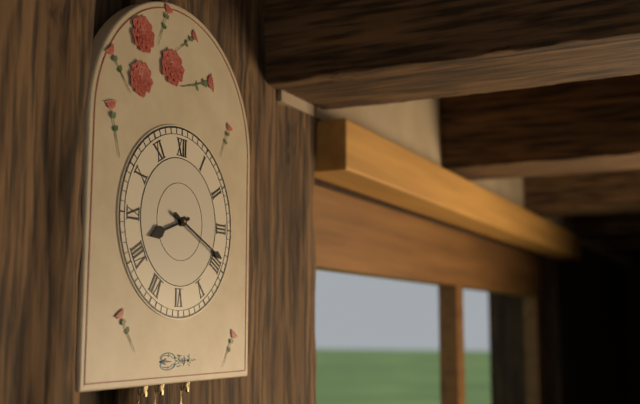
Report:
8:19
